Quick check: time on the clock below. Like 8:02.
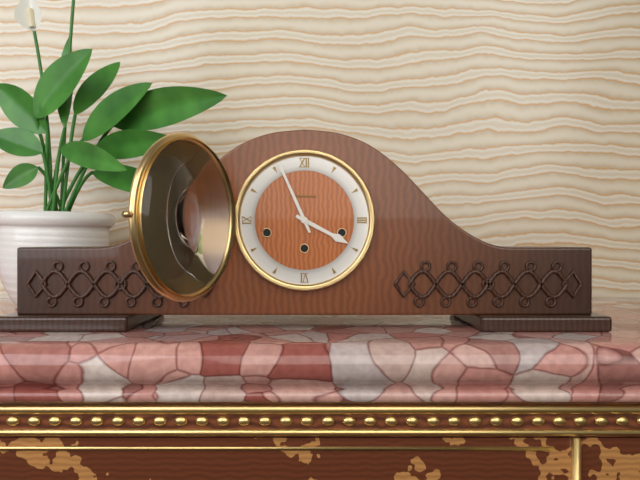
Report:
3:56
